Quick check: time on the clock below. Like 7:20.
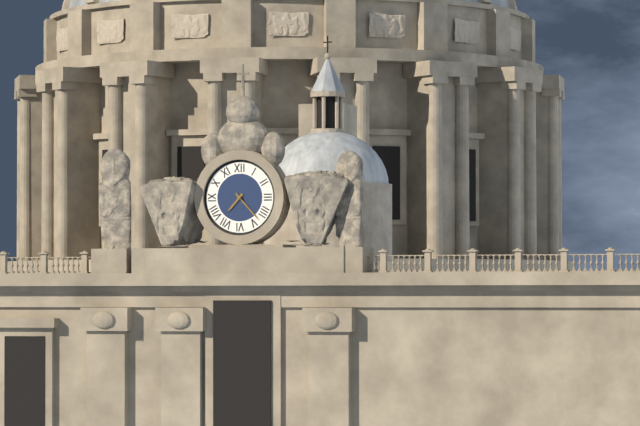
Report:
7:23
